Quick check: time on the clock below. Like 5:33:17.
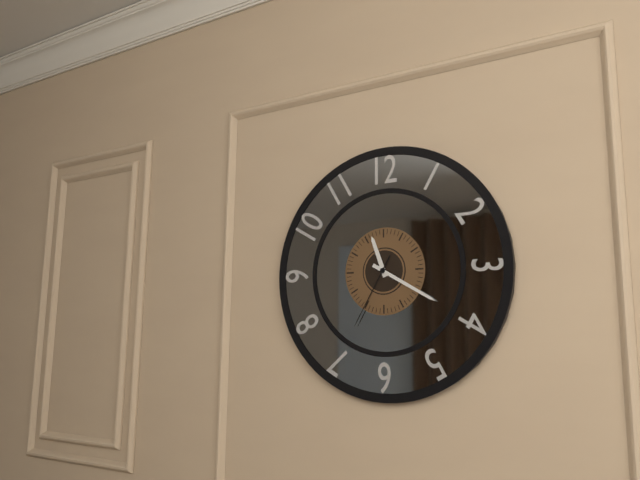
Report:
11:20:35
